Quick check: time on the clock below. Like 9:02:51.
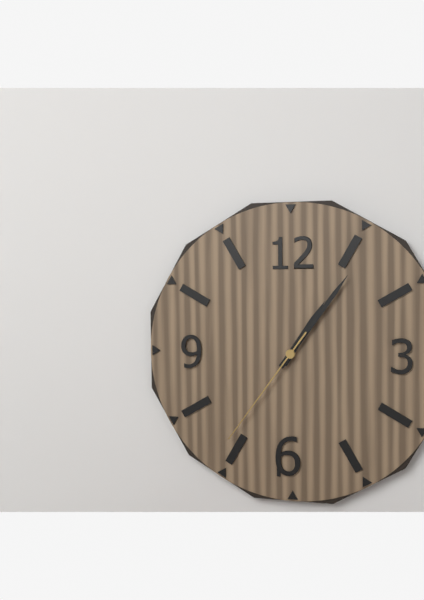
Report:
1:06:36
